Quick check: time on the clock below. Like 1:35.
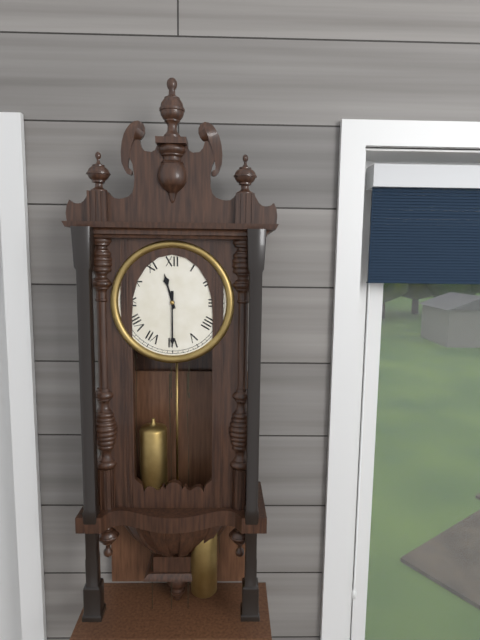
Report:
11:30
